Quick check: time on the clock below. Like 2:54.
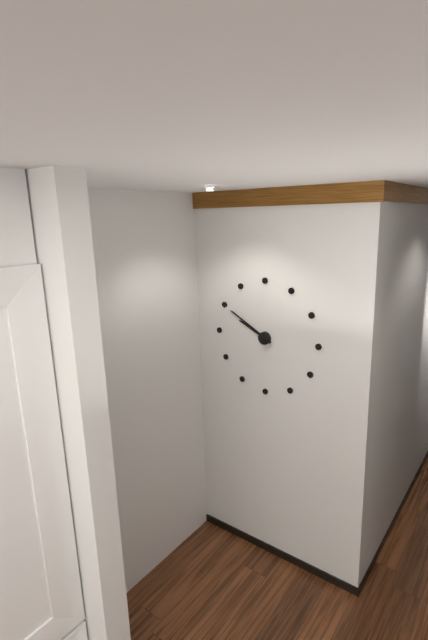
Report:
9:50
